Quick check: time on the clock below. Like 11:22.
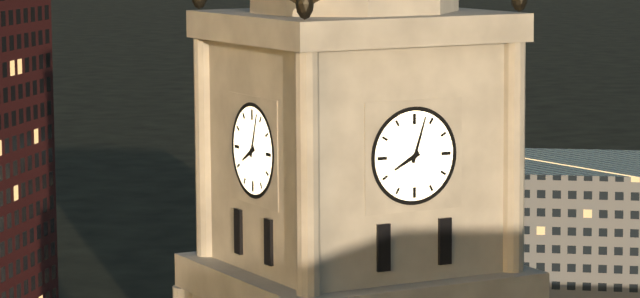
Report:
8:03
